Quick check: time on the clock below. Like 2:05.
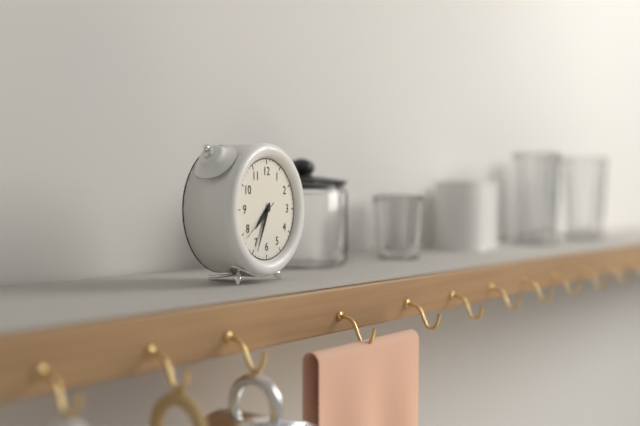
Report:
7:34
